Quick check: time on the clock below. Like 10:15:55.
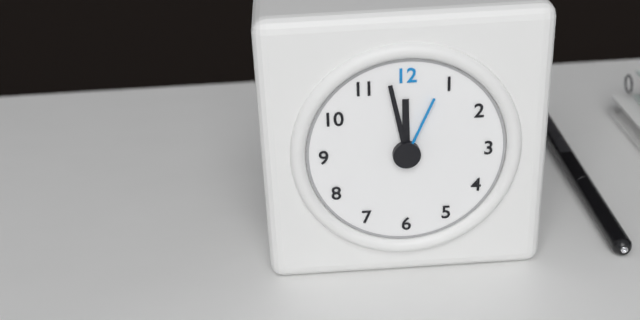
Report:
11:58:04
